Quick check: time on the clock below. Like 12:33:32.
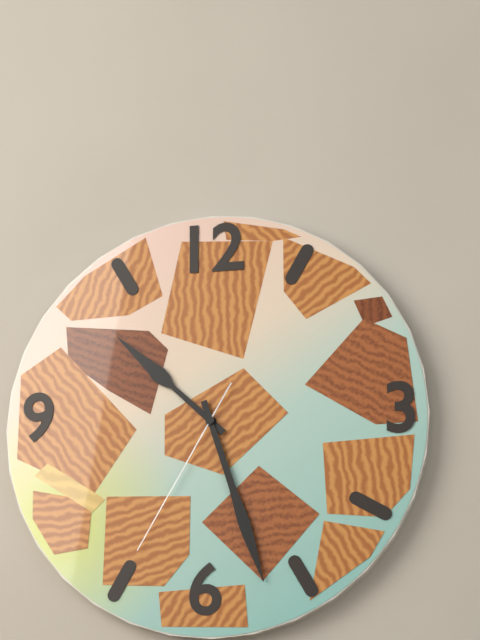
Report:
10:27:35
